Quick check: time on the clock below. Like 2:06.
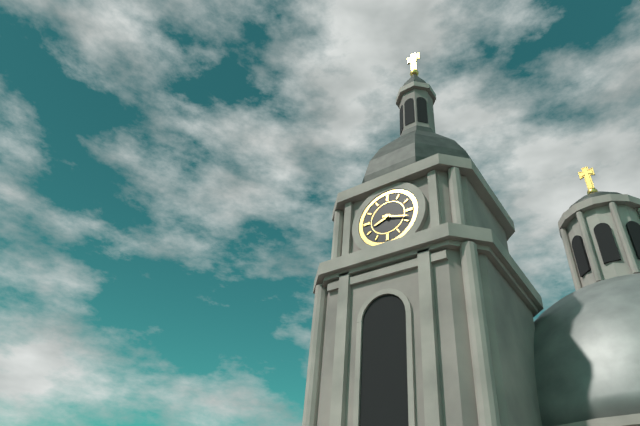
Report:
8:18
